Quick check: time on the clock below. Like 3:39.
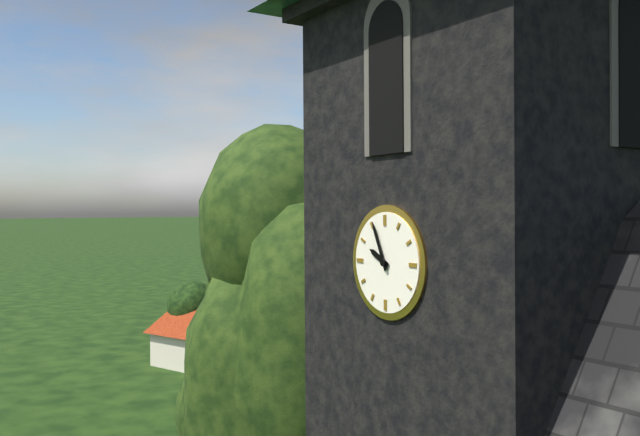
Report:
9:56
